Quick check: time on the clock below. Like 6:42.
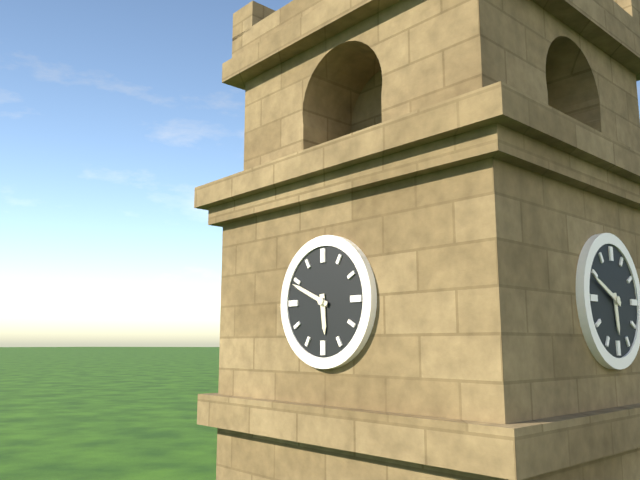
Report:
5:49
